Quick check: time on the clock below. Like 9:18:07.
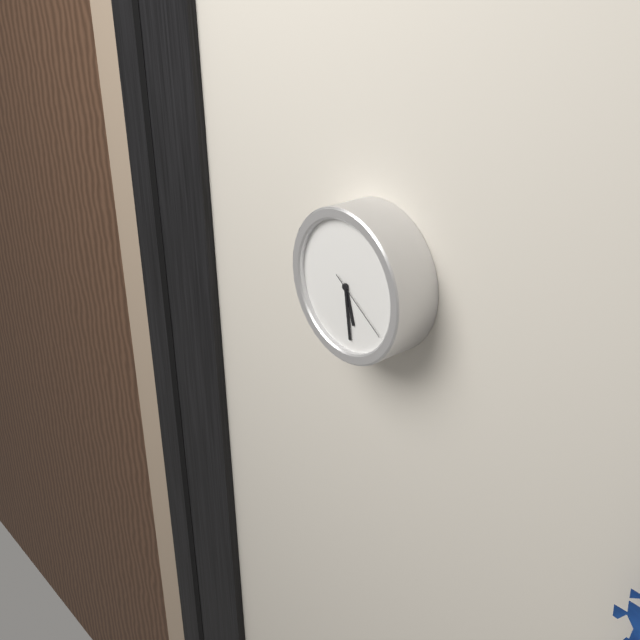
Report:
5:29:21
